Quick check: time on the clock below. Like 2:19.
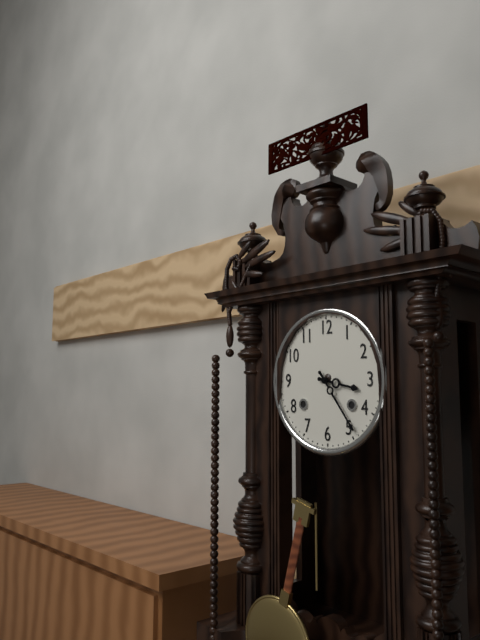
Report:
3:24
